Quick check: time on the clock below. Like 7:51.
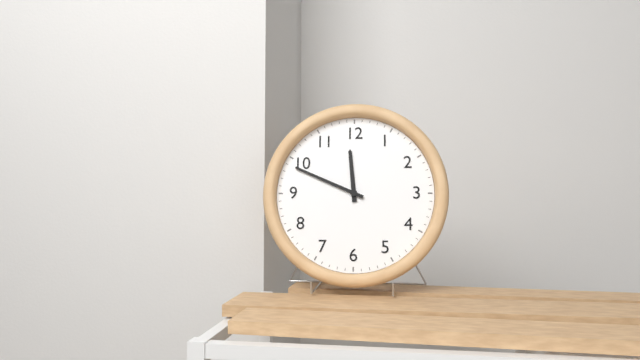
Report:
11:49
